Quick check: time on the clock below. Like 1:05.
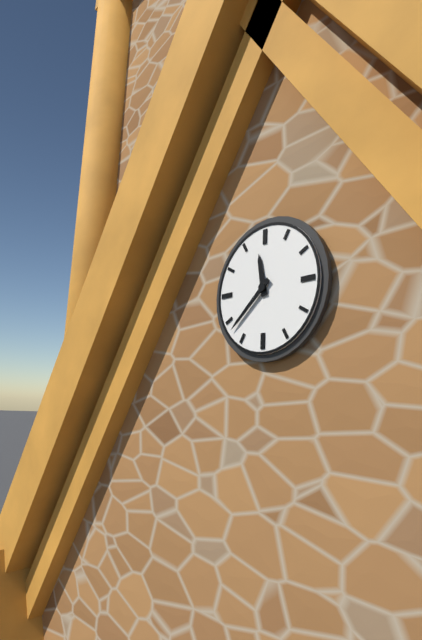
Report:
11:38
